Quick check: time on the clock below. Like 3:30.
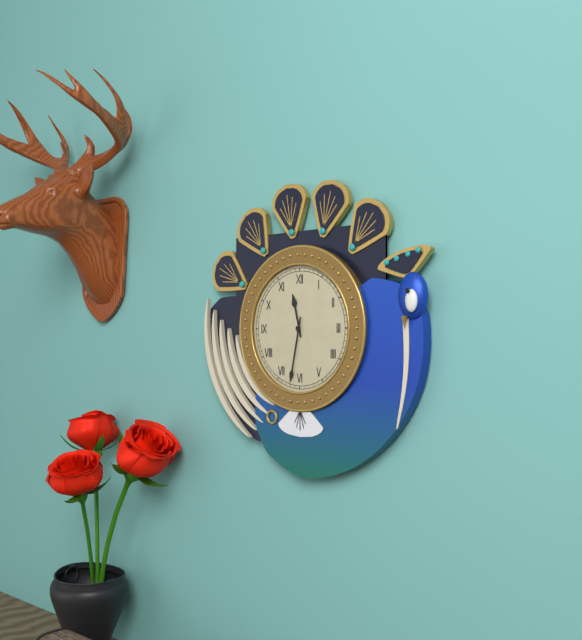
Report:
11:32
